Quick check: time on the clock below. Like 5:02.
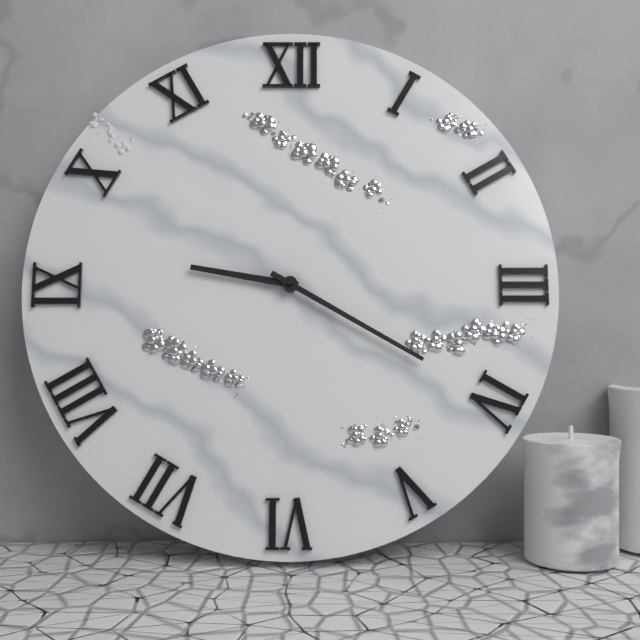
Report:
9:20
